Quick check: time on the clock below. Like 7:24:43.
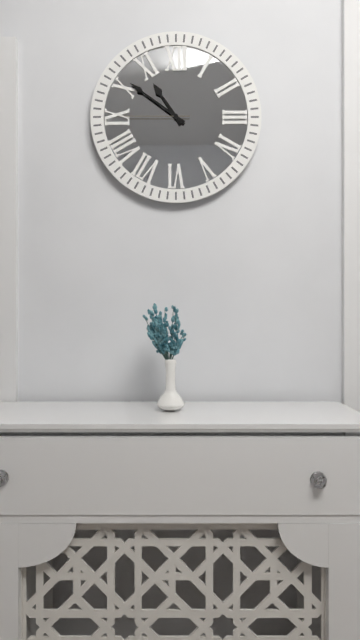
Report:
10:51:45
